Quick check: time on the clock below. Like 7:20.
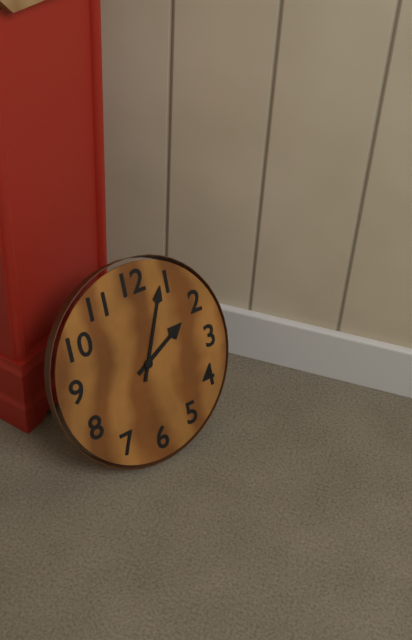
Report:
2:04
